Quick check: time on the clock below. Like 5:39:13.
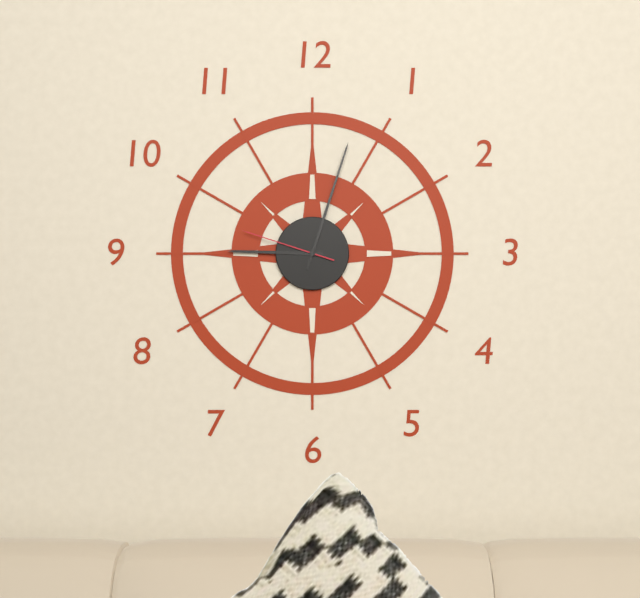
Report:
9:03:48
